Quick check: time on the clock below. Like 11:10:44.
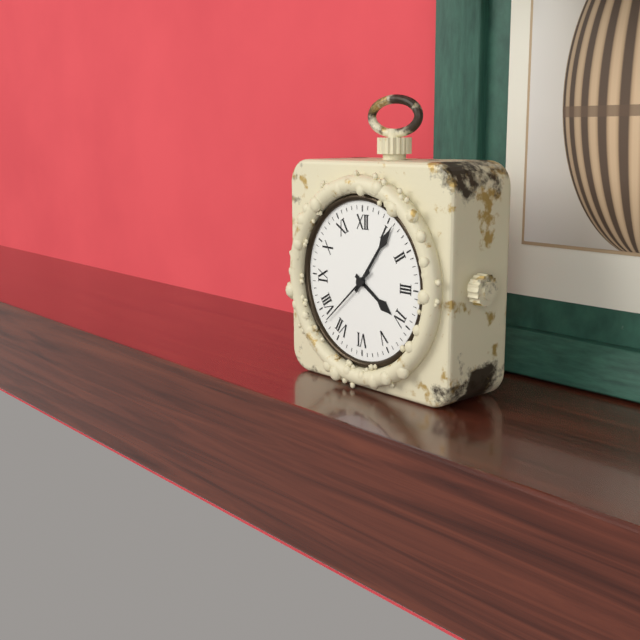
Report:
4:06:38
